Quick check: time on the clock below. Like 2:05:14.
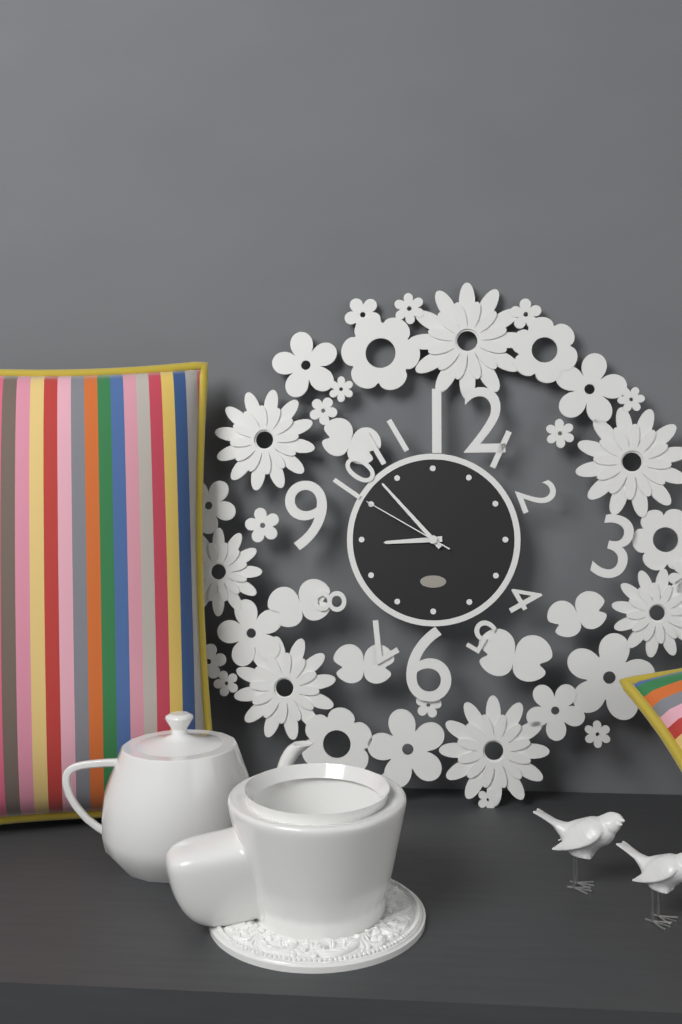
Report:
8:53:50
